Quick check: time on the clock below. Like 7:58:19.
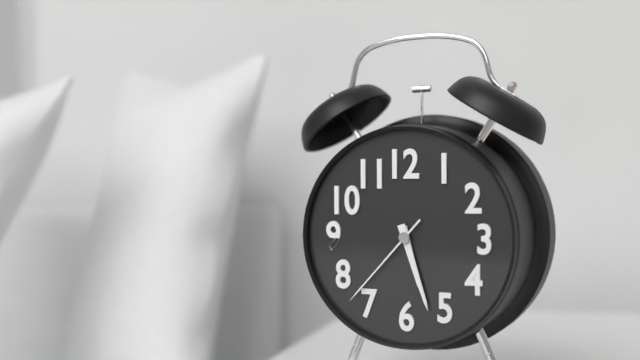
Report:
5:27:37
